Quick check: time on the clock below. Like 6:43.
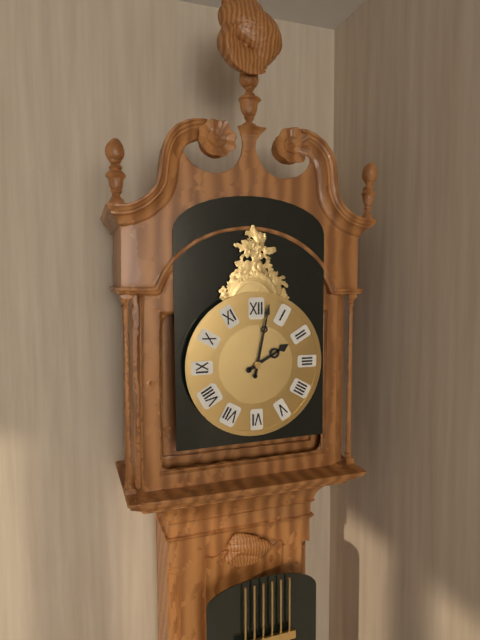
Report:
2:02
